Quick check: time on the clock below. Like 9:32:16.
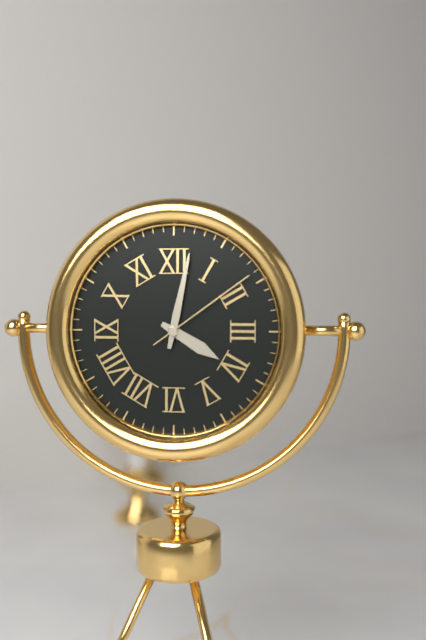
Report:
4:02:09
